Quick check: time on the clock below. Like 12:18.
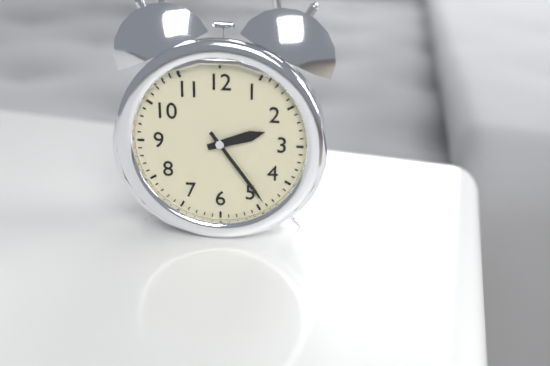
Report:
2:24
